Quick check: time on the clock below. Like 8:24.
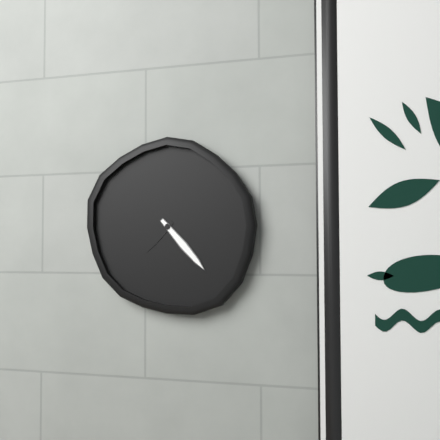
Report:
7:23
